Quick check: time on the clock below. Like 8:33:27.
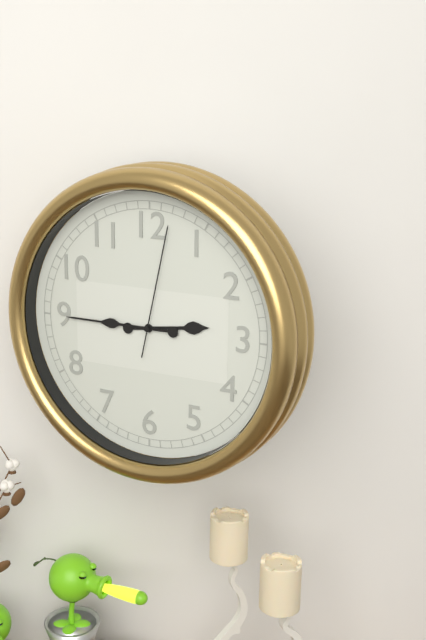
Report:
2:45:02
